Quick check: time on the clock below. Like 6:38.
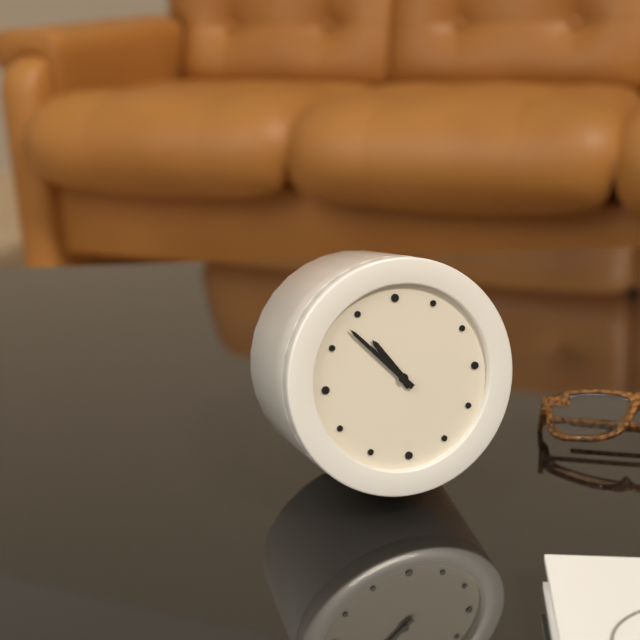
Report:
10:53
